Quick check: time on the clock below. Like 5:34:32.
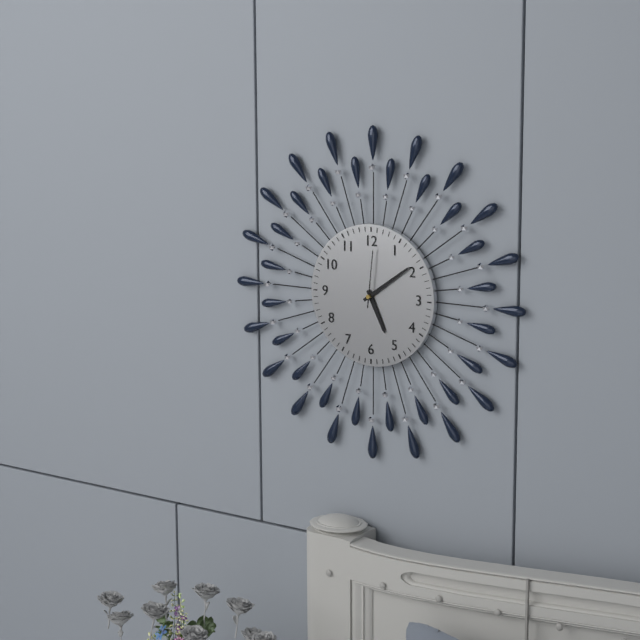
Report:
5:09:01
